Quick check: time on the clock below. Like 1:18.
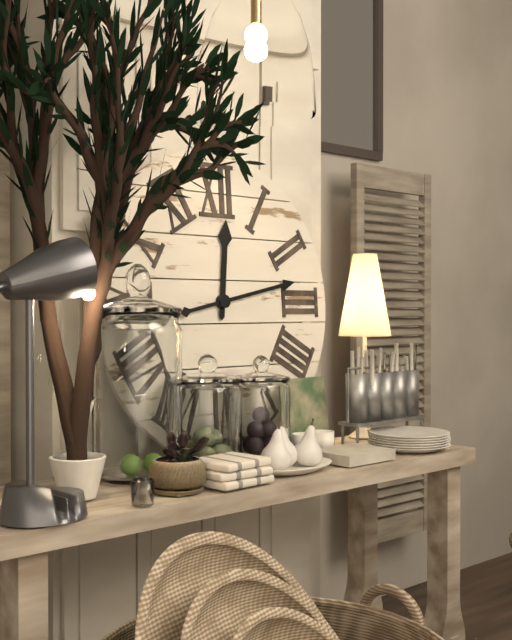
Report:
12:13
